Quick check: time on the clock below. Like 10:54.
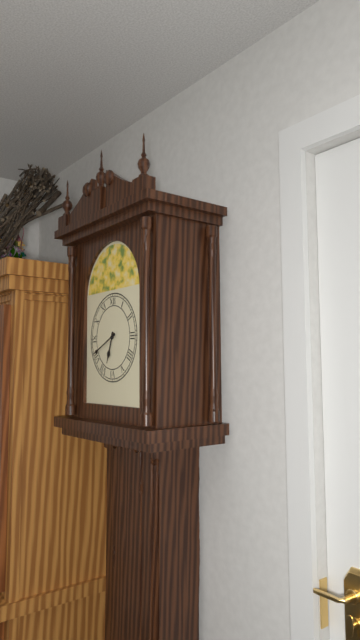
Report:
6:41
